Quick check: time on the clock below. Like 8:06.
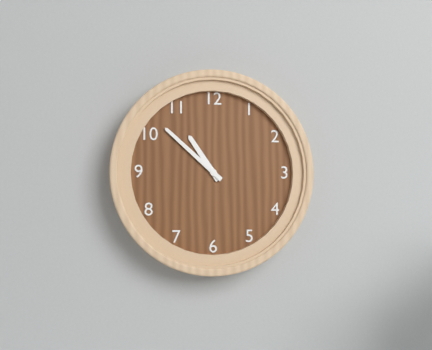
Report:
10:52
